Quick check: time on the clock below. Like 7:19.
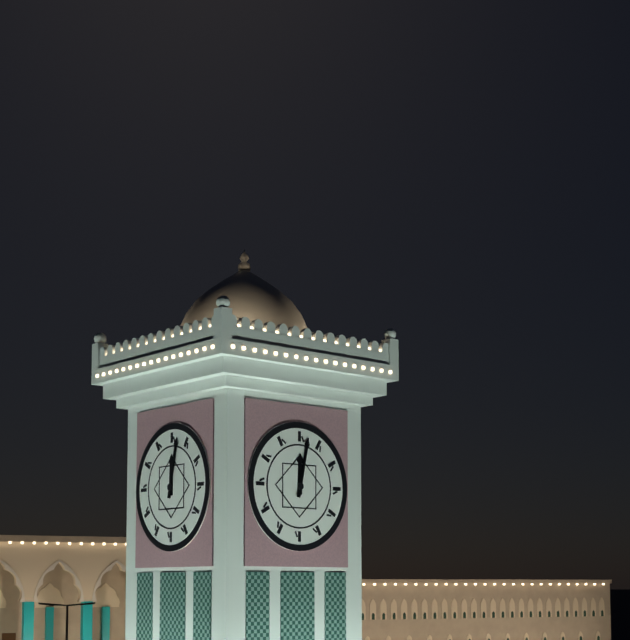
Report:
12:02
